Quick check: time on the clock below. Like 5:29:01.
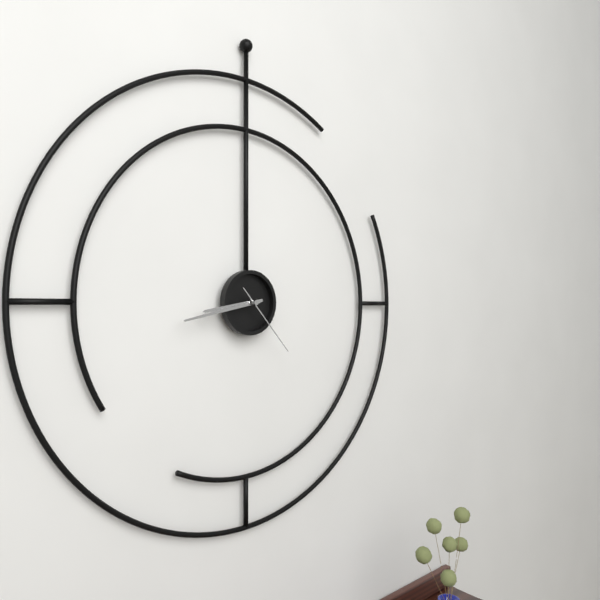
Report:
8:43:23
